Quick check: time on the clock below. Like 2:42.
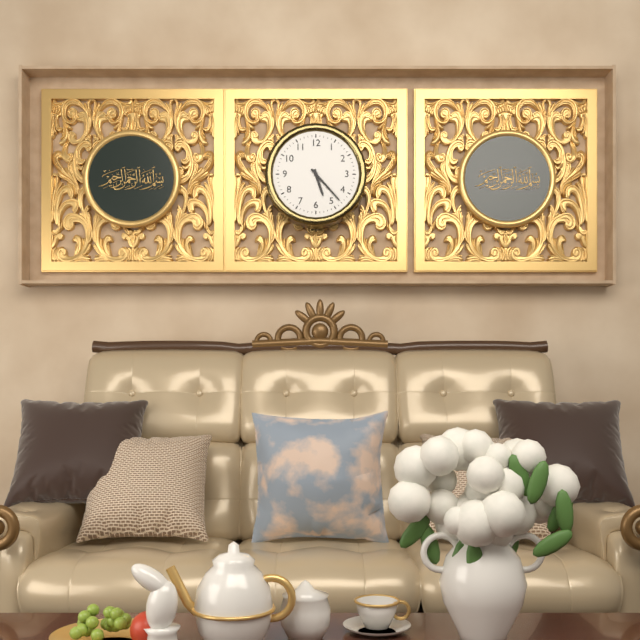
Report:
5:23
